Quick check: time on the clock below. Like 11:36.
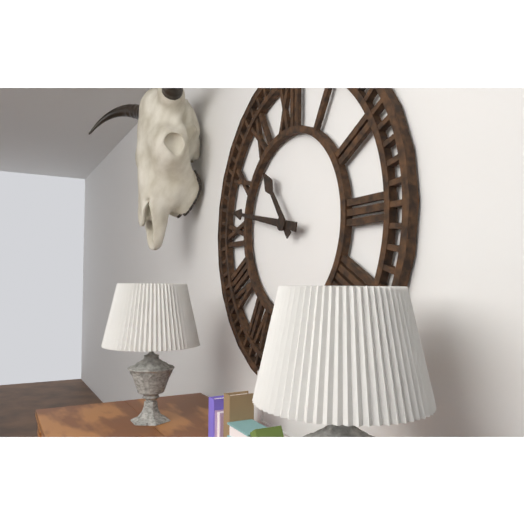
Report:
10:47
